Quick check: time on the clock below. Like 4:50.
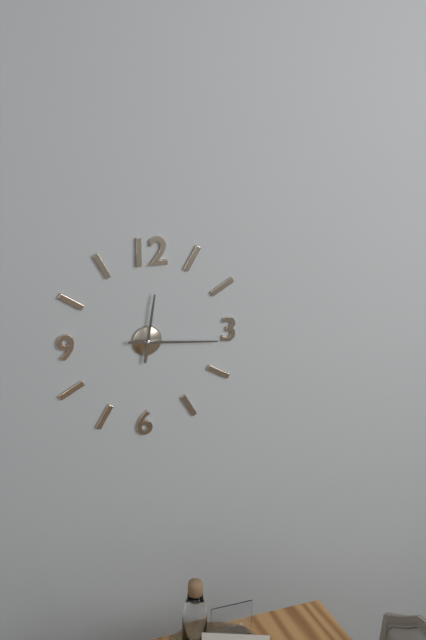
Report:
12:16
